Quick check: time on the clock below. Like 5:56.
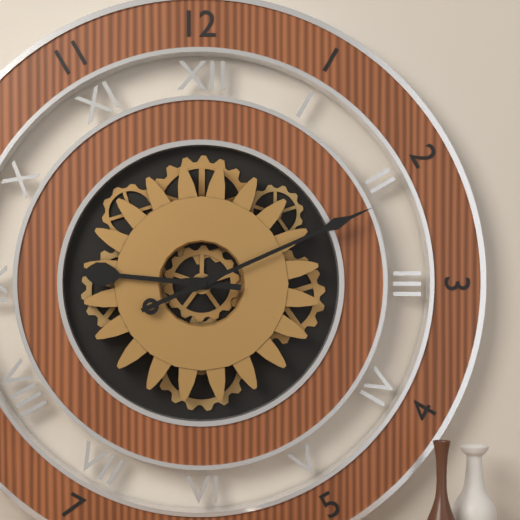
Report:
9:11
